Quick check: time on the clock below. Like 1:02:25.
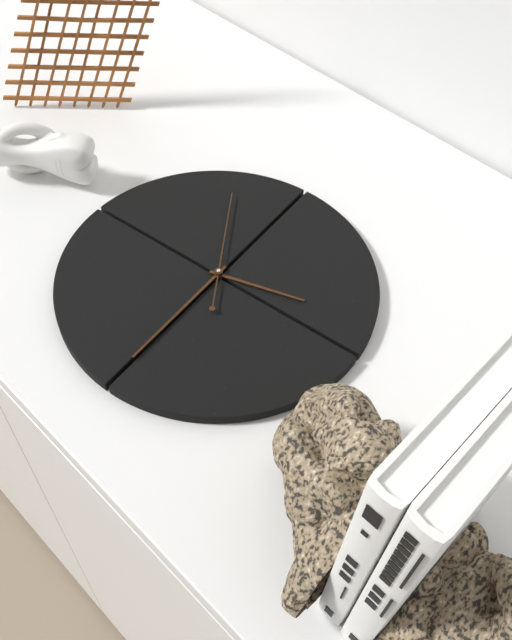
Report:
2:30:55
